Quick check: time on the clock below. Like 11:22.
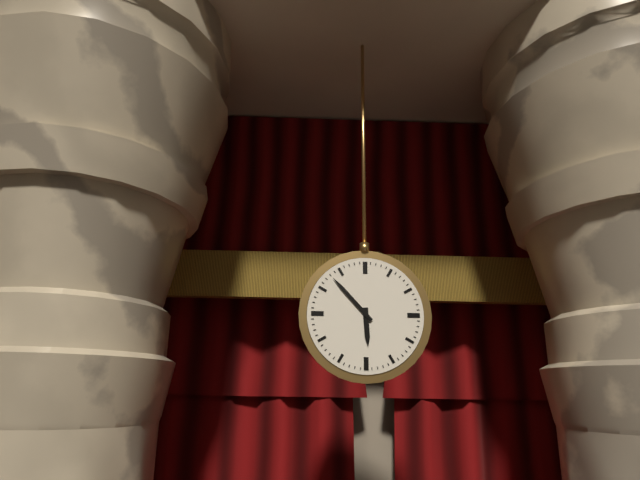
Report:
5:53
